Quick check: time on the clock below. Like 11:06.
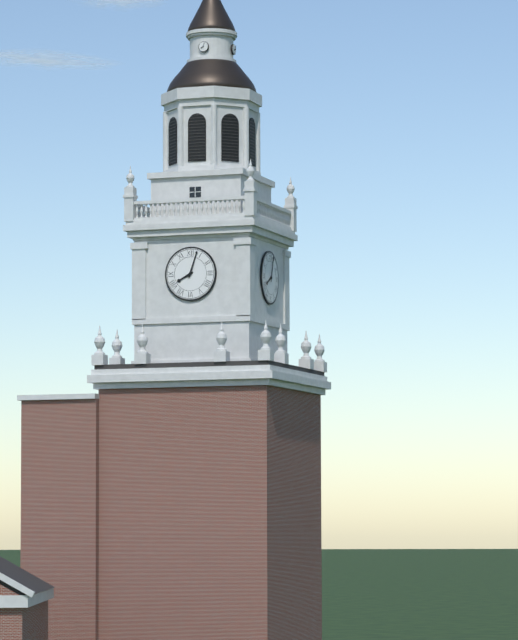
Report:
8:03
